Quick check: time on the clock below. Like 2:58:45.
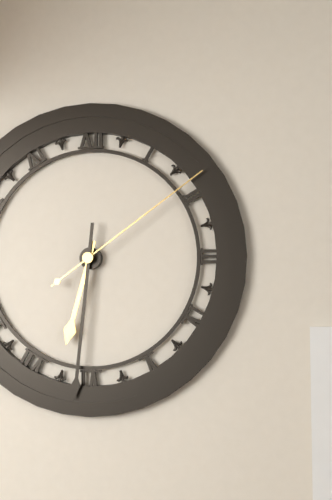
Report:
6:31:09
